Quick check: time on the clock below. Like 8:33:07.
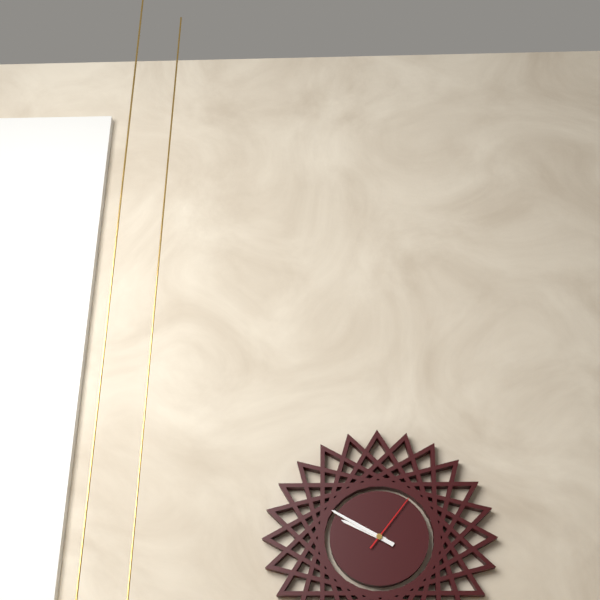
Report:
9:50:06
